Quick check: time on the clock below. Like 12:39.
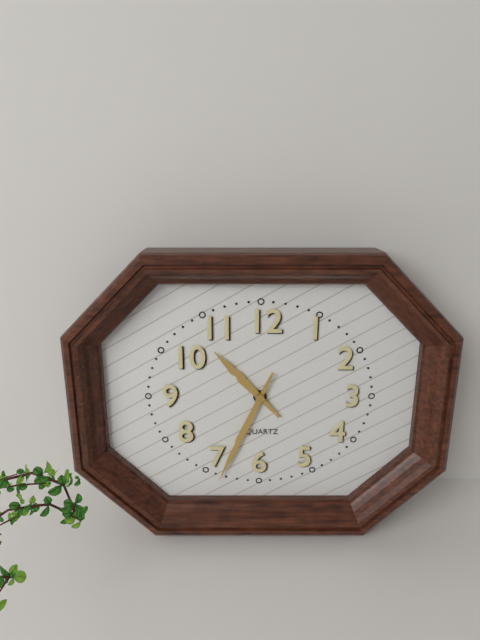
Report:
10:34
